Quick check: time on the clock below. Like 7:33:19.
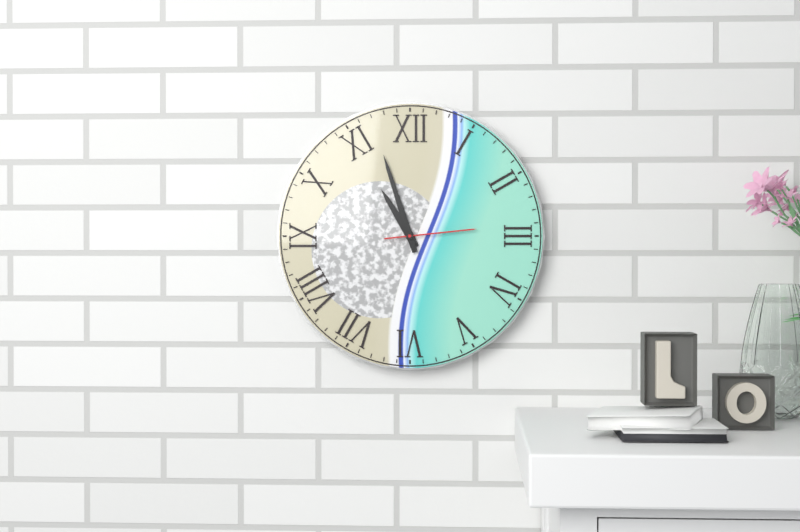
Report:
10:57:14
